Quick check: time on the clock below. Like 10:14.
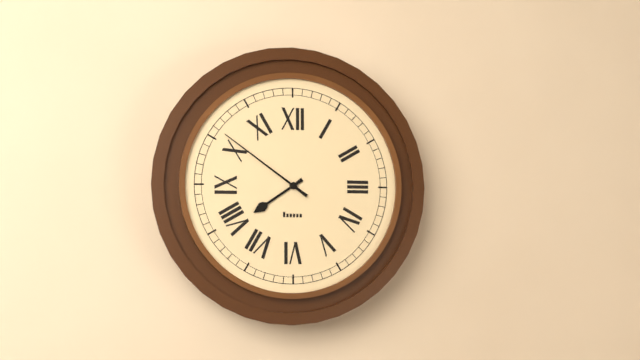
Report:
7:51
